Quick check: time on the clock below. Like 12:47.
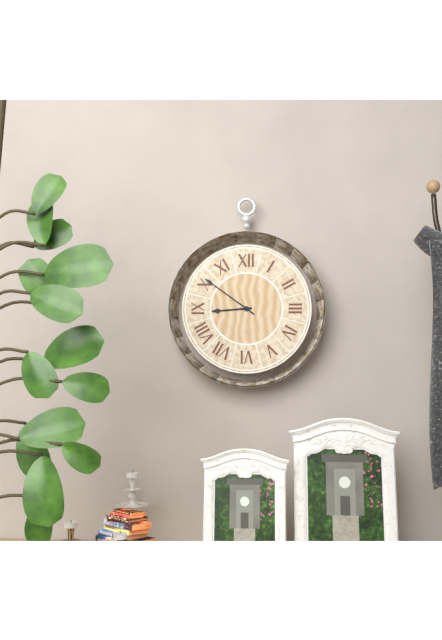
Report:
8:51
